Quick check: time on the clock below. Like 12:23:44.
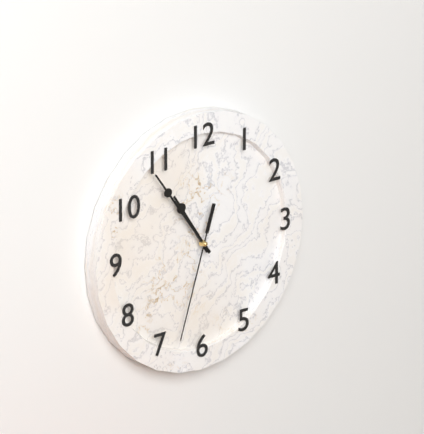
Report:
10:54:33
